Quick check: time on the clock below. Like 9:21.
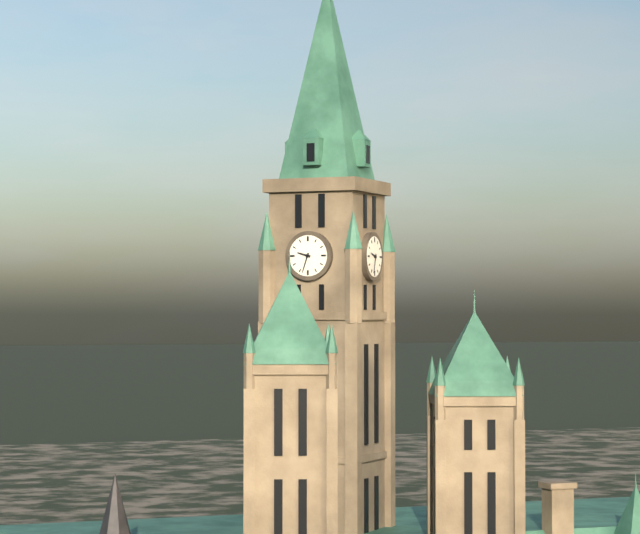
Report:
9:33
